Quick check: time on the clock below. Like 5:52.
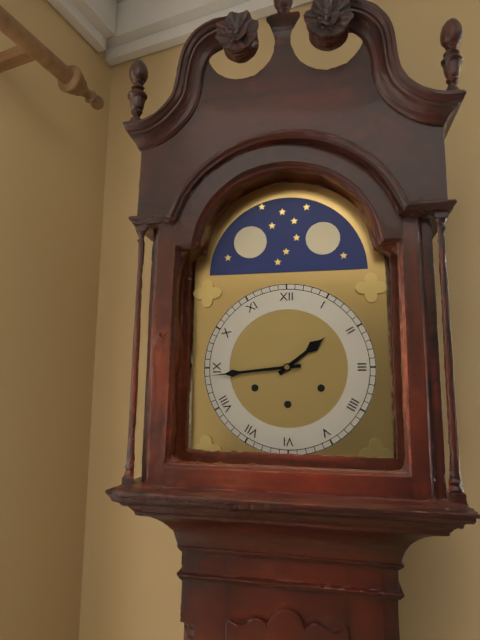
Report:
1:44
